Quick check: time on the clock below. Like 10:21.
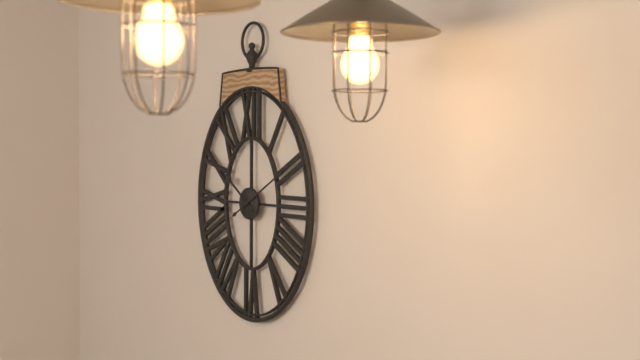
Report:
10:10
